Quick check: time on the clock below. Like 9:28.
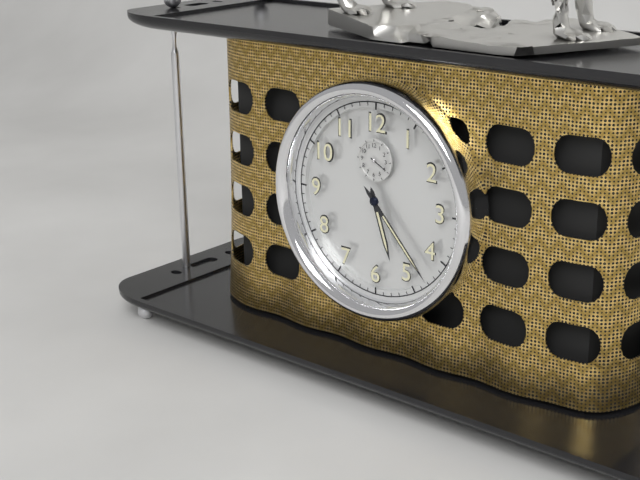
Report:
5:23
